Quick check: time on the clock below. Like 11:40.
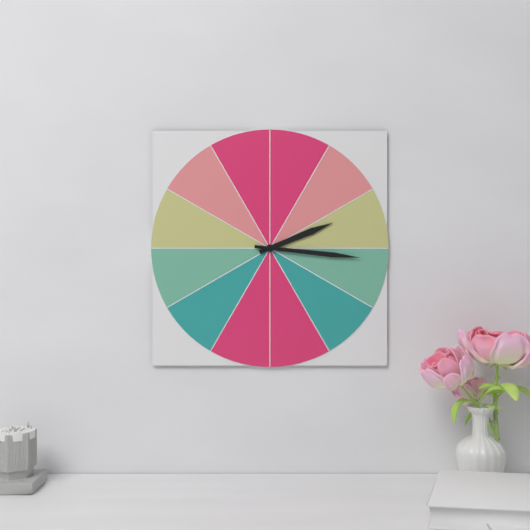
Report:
2:16
